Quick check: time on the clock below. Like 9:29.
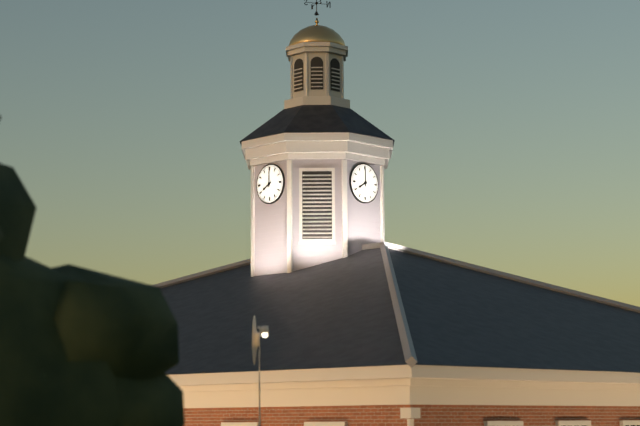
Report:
8:00
